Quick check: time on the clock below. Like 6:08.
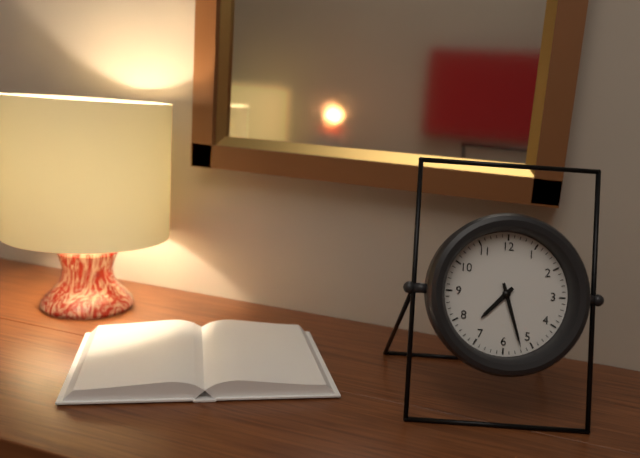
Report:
7:27
